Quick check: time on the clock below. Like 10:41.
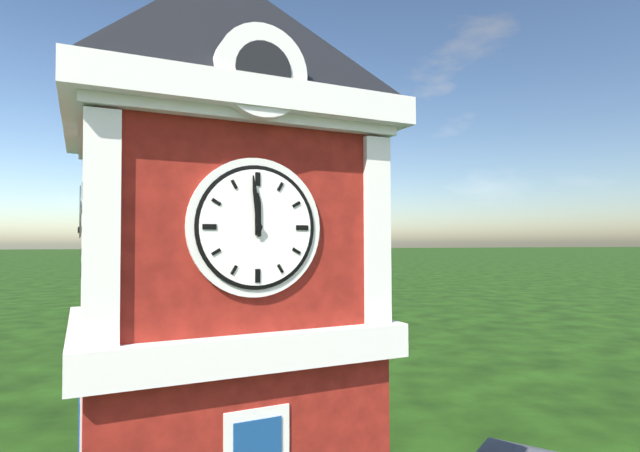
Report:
11:59
